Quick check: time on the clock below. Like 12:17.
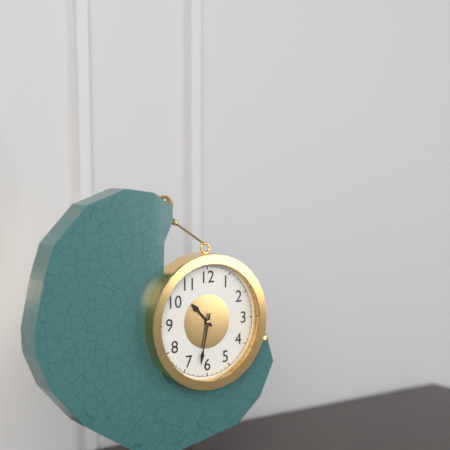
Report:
10:32
